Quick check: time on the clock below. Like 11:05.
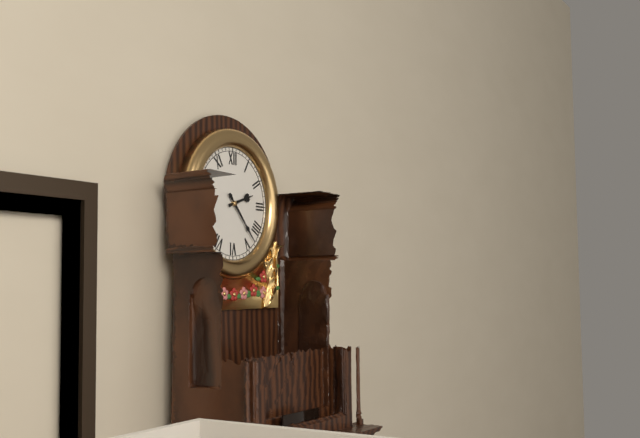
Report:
2:23
